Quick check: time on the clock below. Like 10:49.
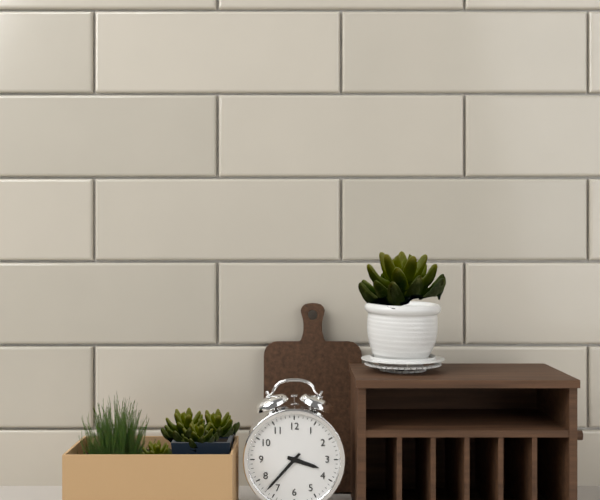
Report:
3:37
